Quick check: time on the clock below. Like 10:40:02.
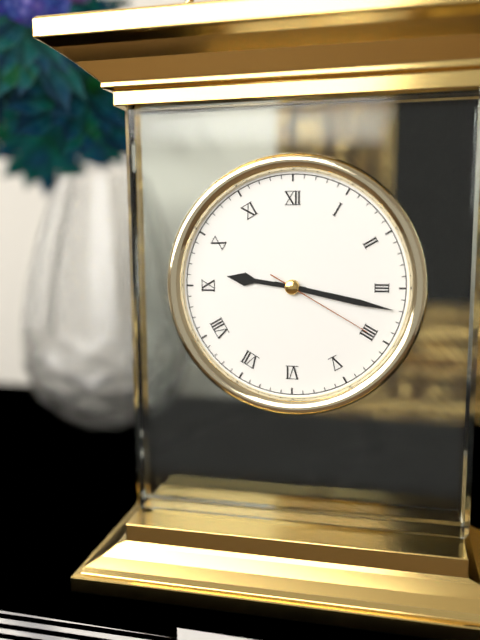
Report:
9:17:20
